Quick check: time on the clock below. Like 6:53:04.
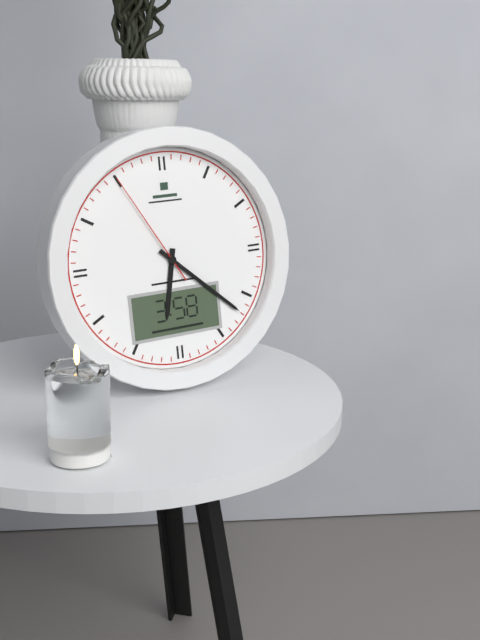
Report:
6:22:55
